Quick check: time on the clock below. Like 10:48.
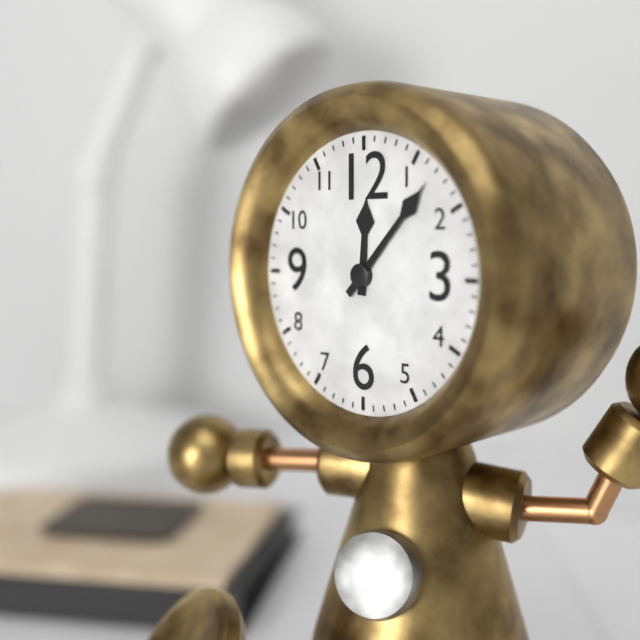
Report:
12:07
